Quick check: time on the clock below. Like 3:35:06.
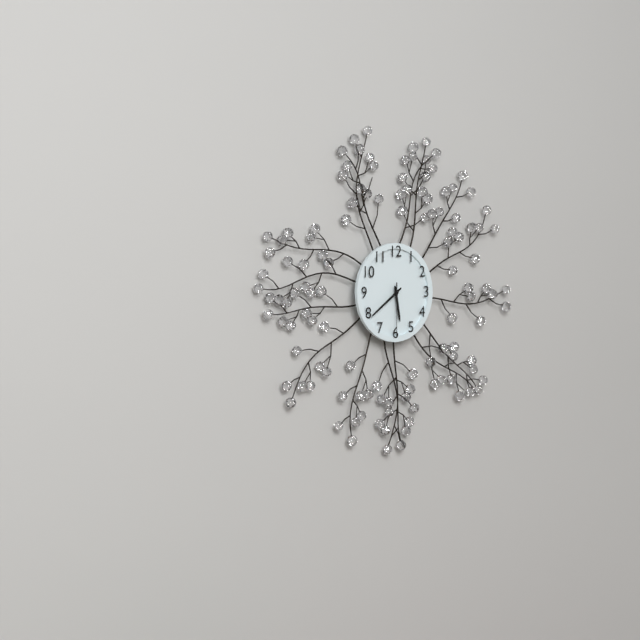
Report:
5:39:30
